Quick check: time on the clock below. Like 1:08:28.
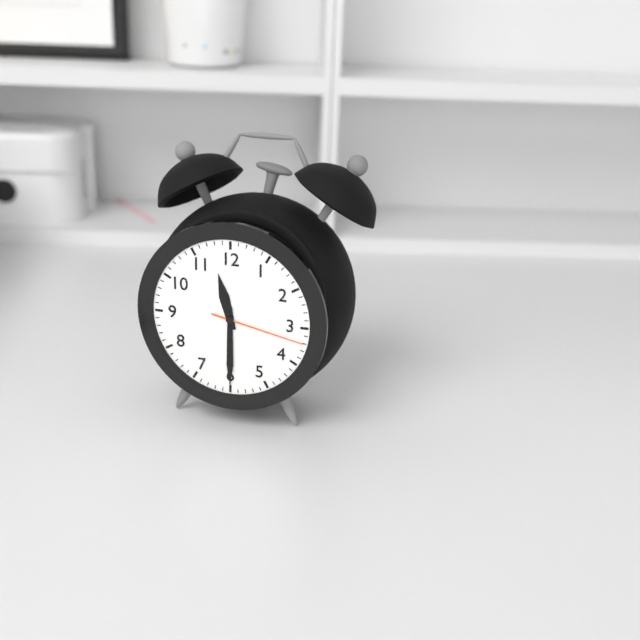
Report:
11:30:17
